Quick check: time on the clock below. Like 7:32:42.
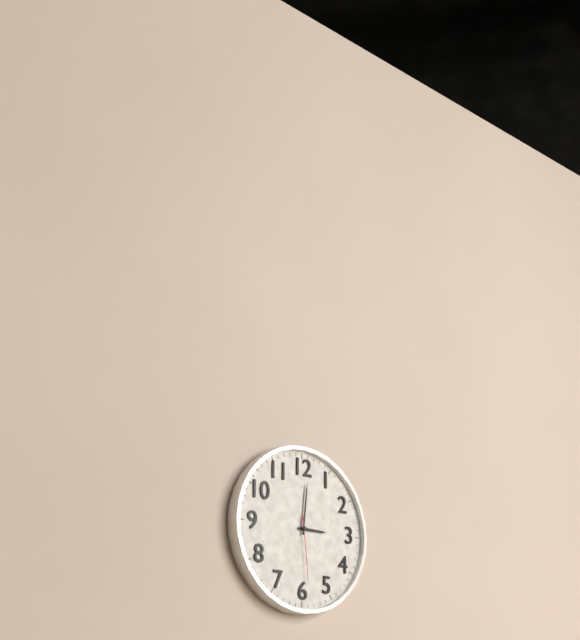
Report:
3:01:29
